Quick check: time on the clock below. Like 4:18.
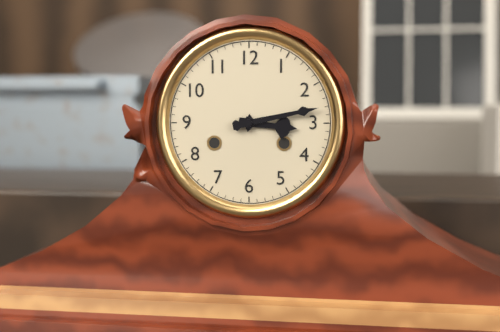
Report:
3:13
